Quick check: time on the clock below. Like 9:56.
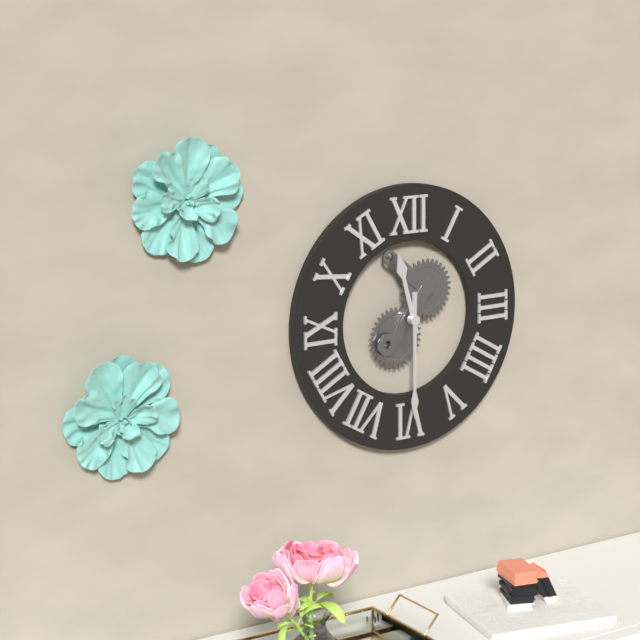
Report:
11:30
